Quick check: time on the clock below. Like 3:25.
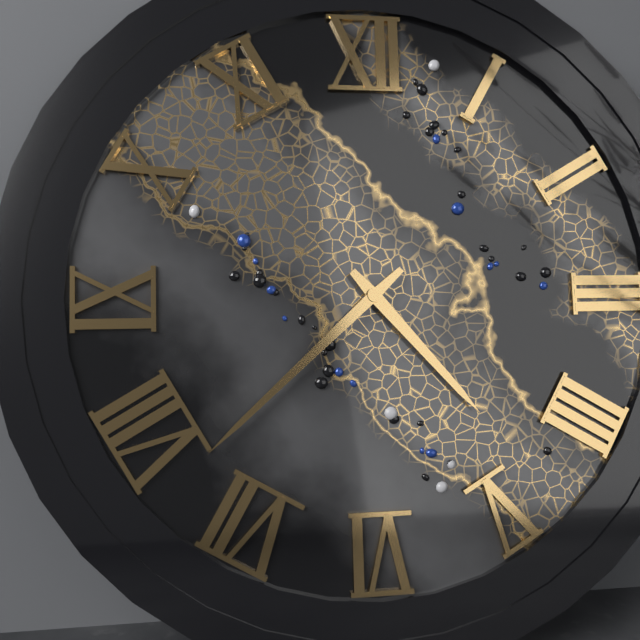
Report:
4:38
